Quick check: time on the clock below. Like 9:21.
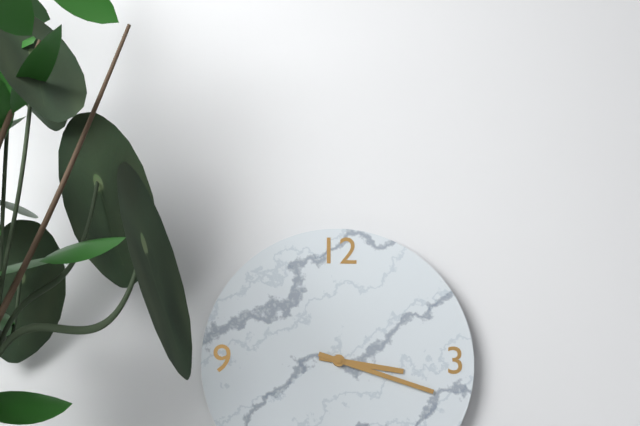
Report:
3:18
